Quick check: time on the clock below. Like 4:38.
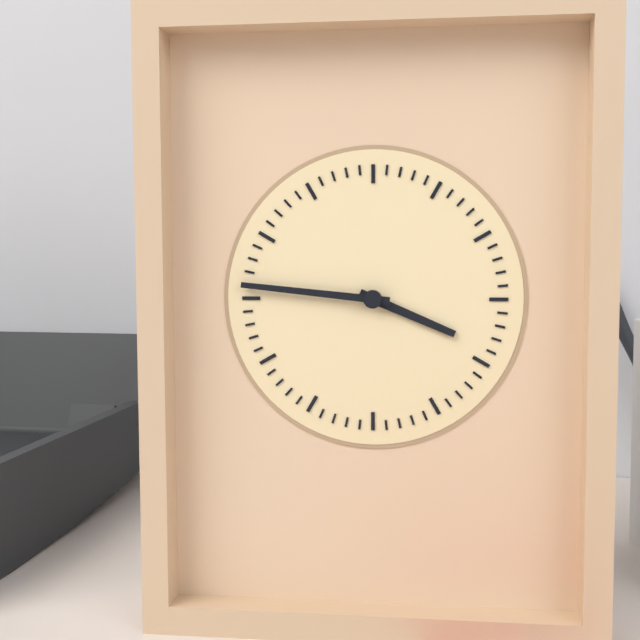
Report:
3:46
